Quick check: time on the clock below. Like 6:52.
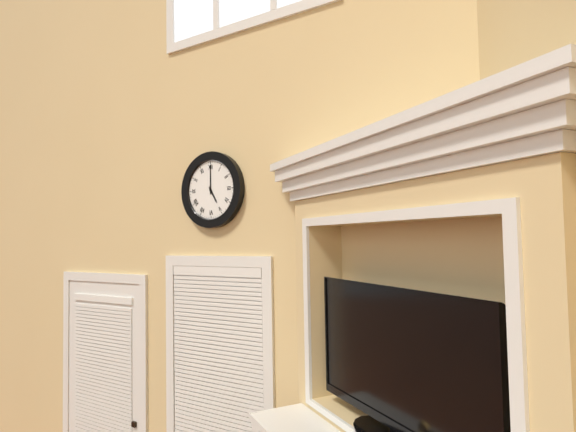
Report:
5:00
